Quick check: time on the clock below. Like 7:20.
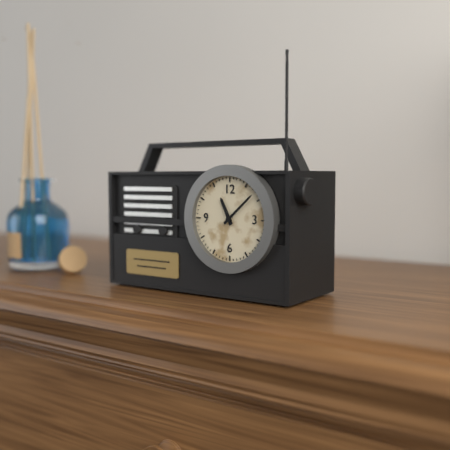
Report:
11:08
